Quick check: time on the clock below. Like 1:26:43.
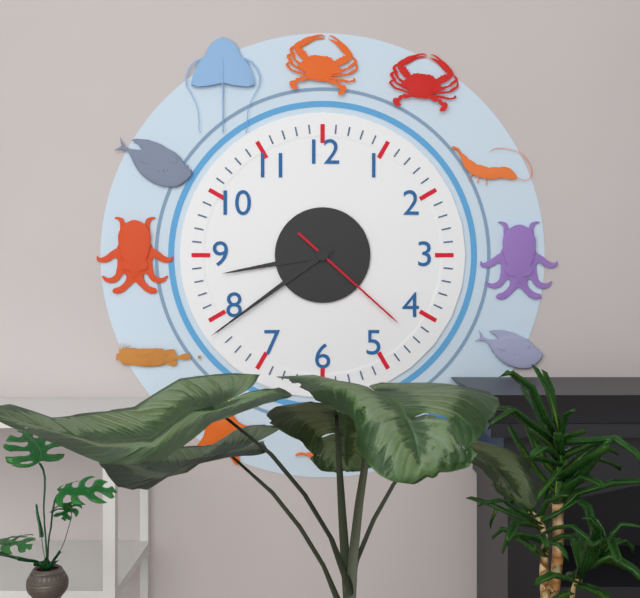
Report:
8:39:22
